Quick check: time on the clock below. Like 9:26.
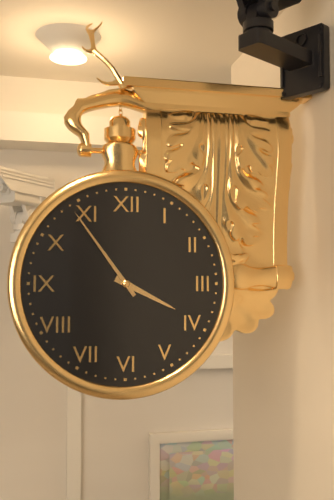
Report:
3:54
